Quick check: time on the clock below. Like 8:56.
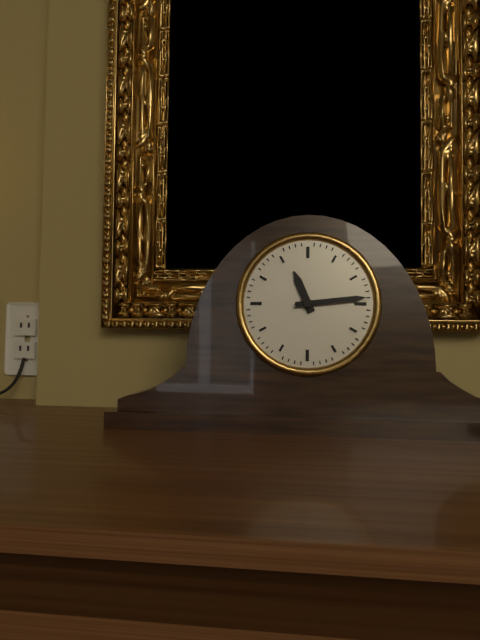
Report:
11:14
